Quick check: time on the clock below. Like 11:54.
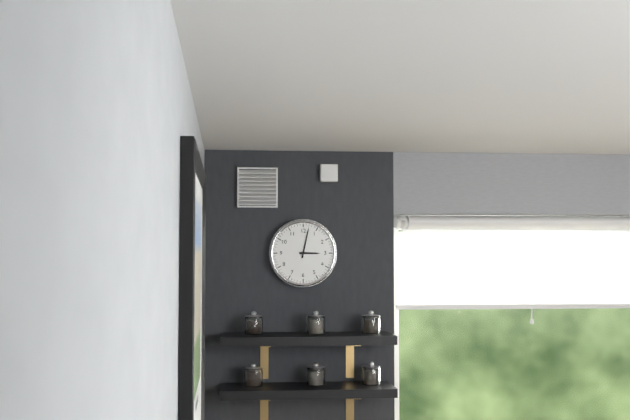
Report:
3:02
